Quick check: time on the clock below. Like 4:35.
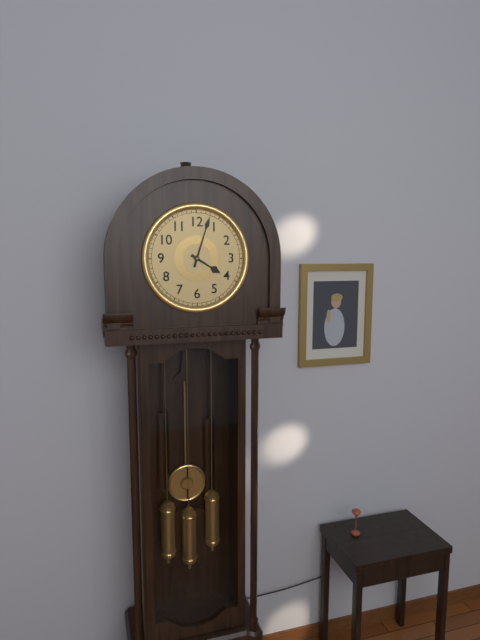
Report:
4:03
